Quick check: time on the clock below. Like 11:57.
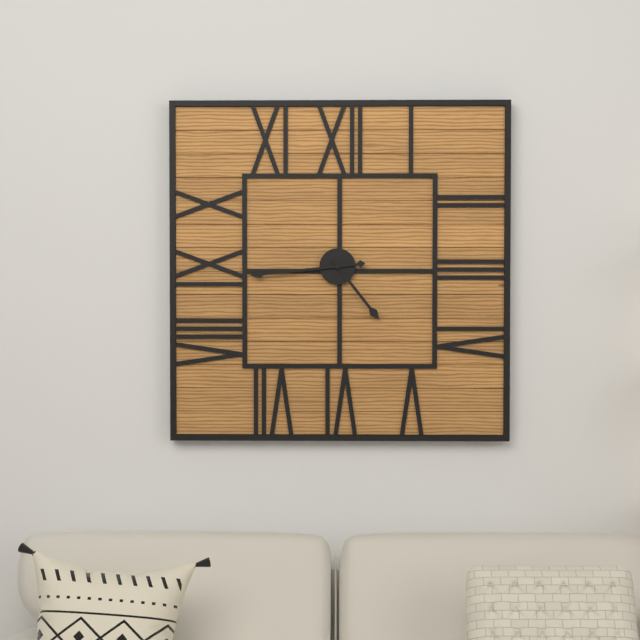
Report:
4:44
